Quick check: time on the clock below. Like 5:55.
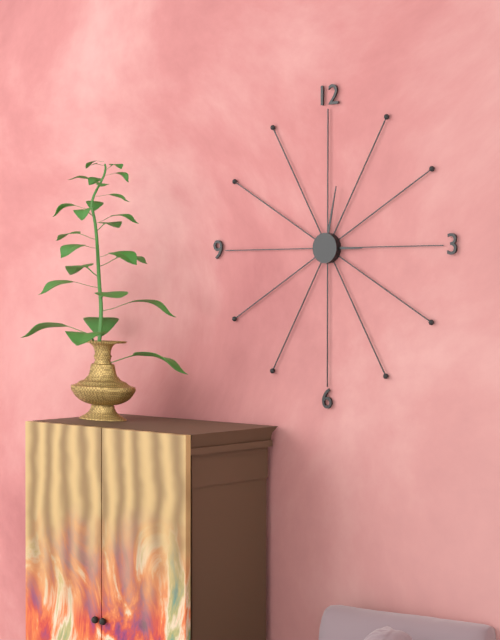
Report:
3:02
